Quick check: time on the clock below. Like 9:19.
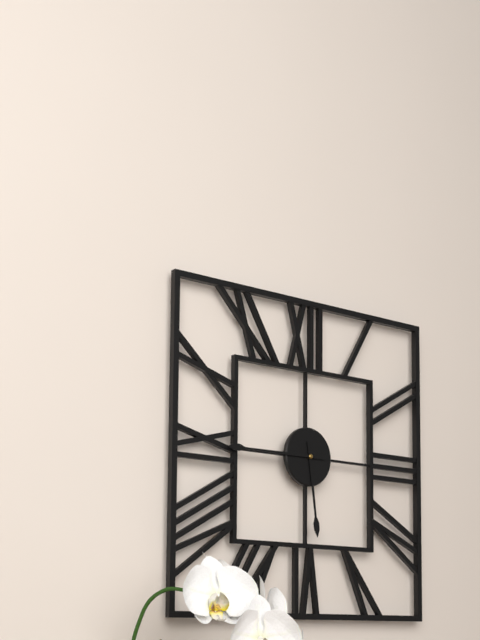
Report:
5:45
